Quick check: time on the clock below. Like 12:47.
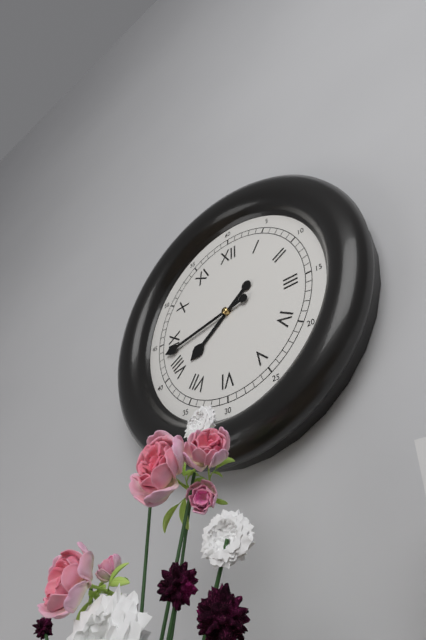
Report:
7:43
